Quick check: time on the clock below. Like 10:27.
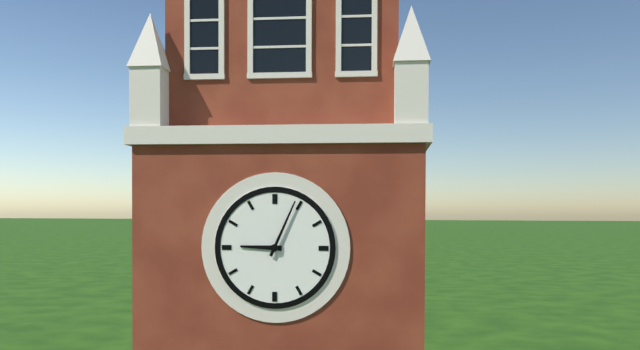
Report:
9:04
